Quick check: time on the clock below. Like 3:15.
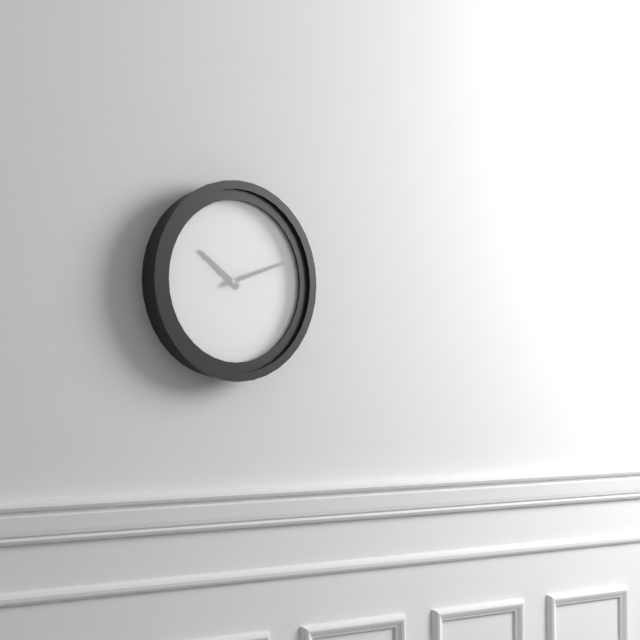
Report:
10:12
